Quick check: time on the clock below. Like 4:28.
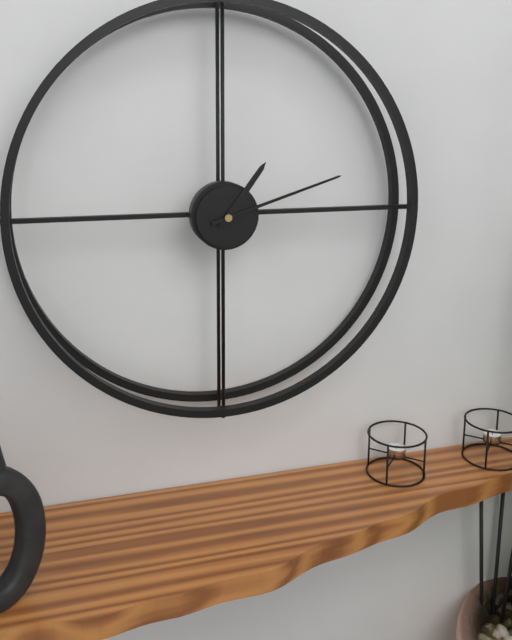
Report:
1:12
